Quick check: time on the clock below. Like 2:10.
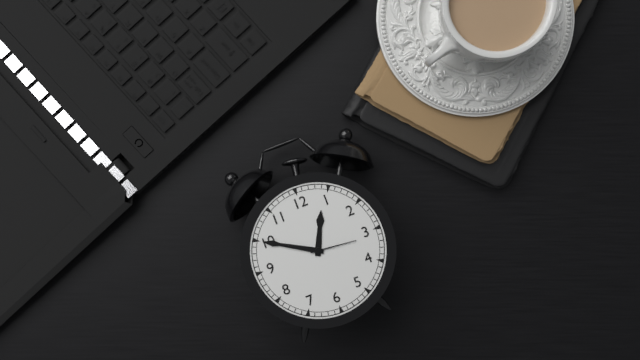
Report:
12:50
